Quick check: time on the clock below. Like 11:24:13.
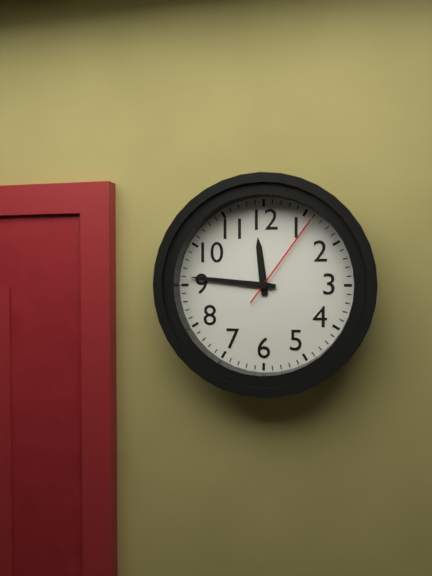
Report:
11:46:06
